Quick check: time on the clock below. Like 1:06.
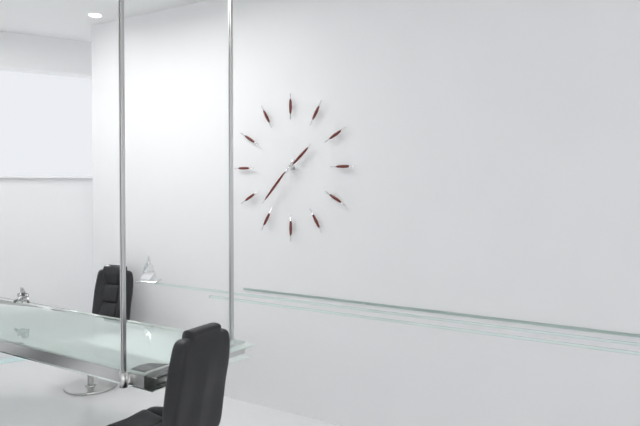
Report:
1:37
